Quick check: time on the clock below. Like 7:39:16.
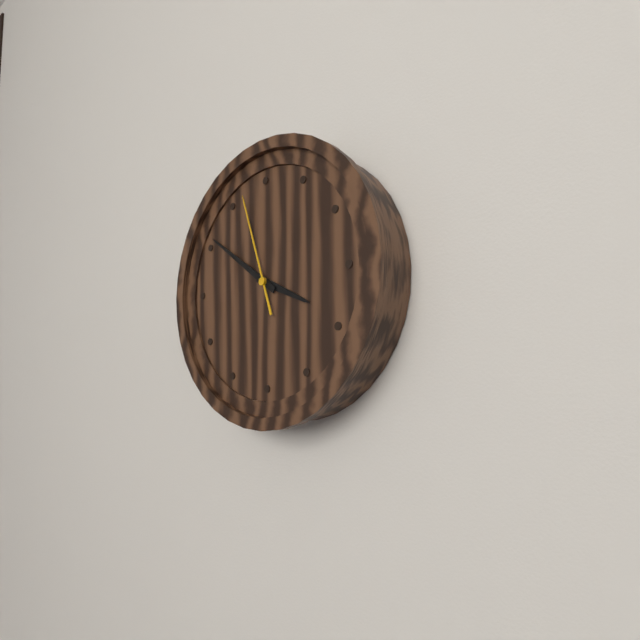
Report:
3:51:57
